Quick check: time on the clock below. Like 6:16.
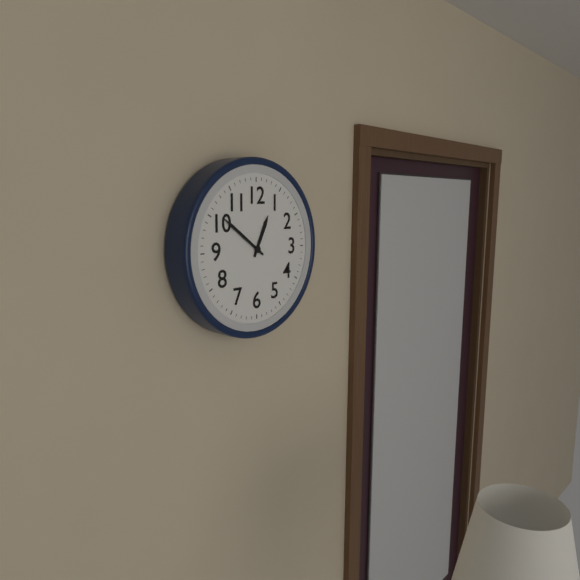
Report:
12:51
